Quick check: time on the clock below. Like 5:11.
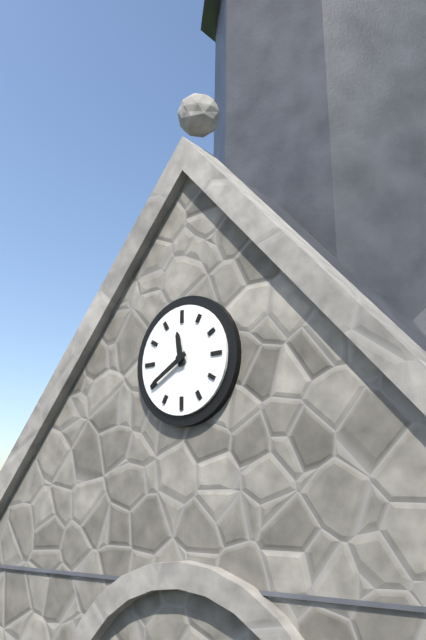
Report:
11:40
